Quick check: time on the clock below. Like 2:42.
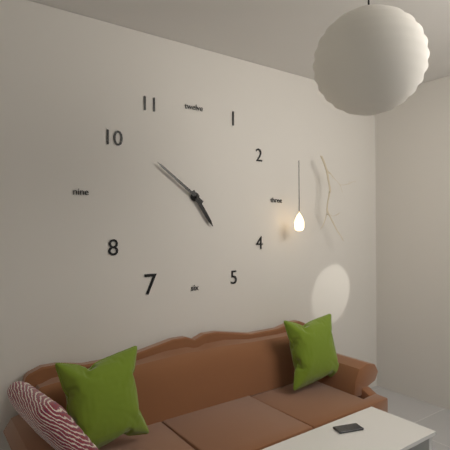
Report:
4:51
